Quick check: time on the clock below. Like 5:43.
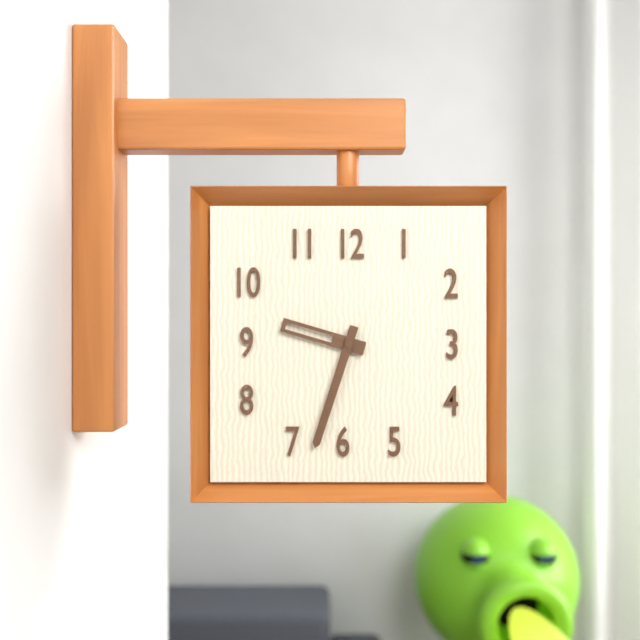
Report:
9:33
